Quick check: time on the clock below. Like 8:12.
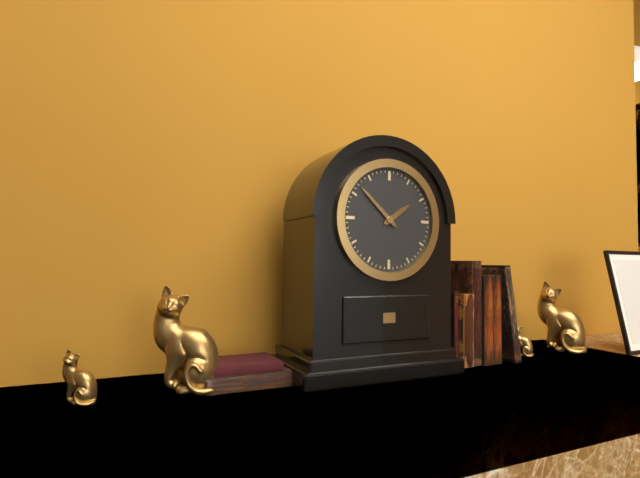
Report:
1:52
